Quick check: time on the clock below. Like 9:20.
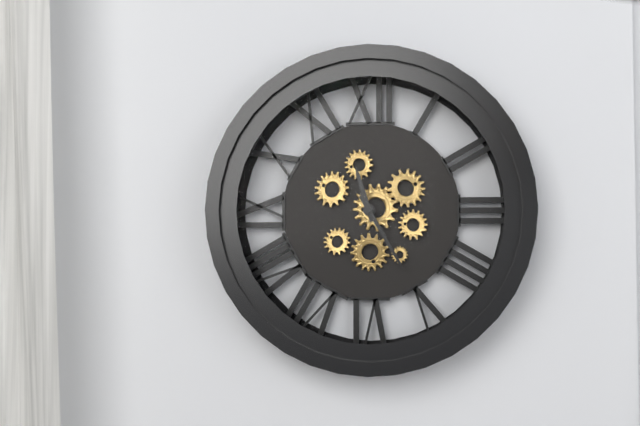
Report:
11:25
